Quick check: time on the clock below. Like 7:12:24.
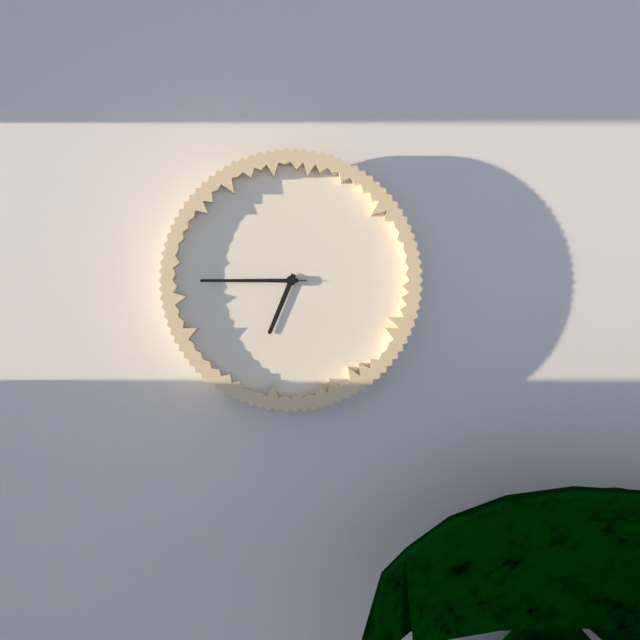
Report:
6:45:45
